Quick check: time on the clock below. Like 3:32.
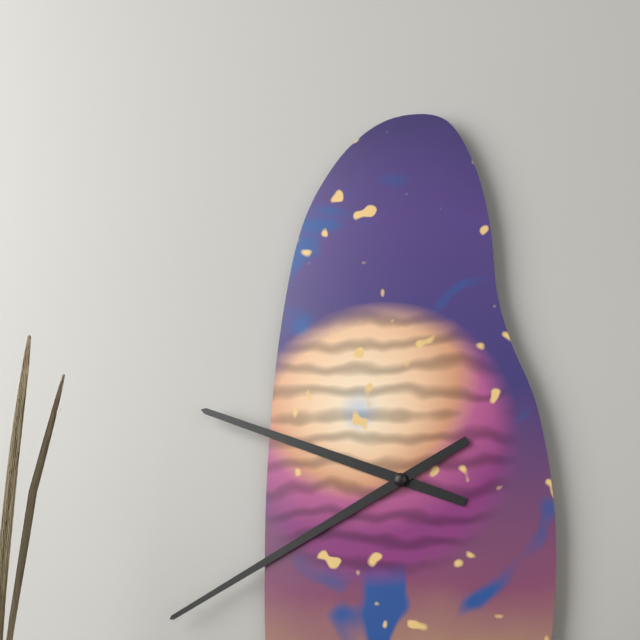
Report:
9:40
